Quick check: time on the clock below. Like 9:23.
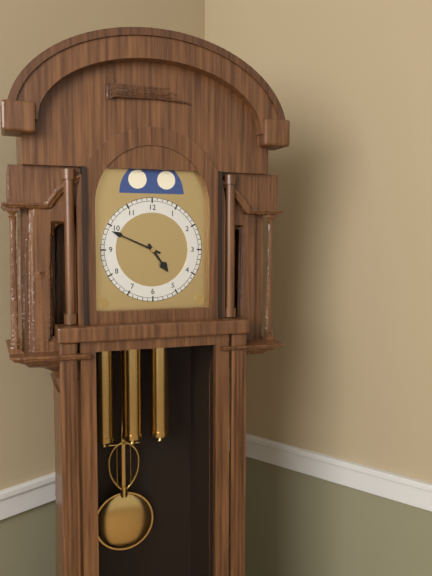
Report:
4:49
